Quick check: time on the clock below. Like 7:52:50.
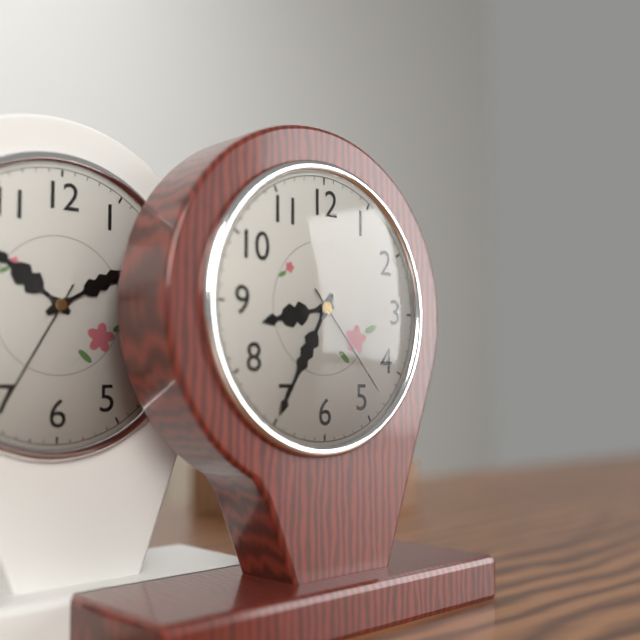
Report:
8:35:23
